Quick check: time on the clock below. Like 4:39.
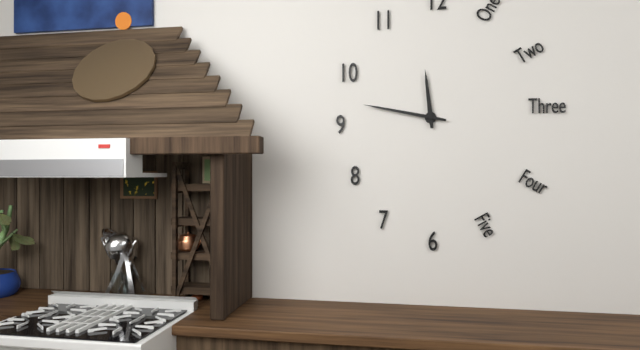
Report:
11:47
